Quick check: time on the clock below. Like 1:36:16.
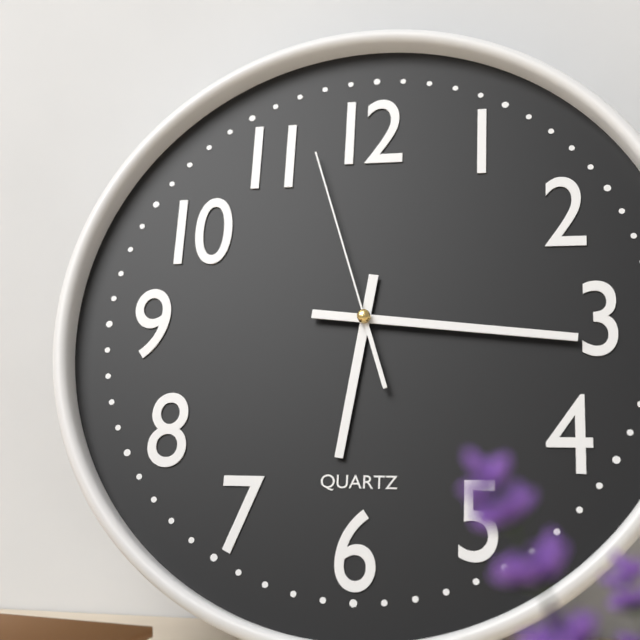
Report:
6:16:57
